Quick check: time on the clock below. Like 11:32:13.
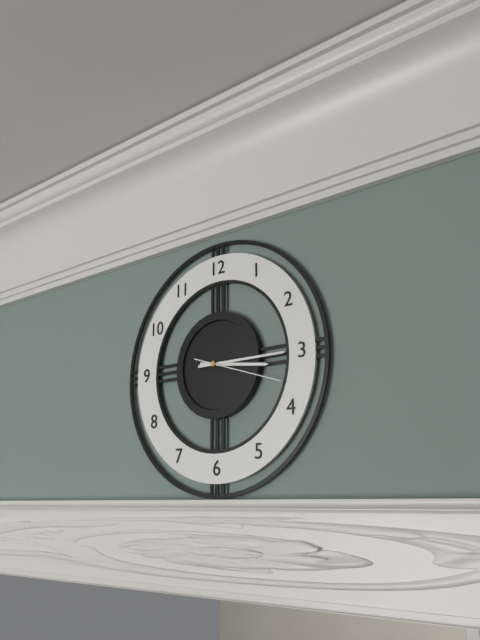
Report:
3:15:18
